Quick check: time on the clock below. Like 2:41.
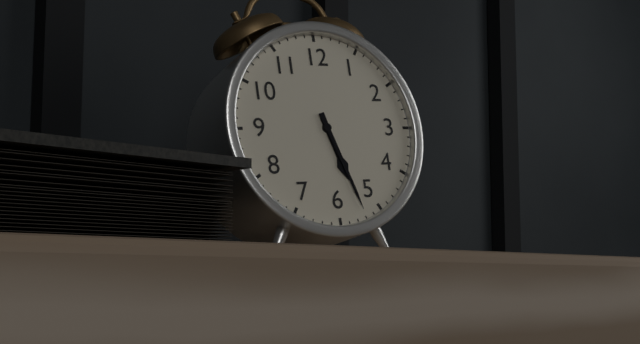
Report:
5:27
